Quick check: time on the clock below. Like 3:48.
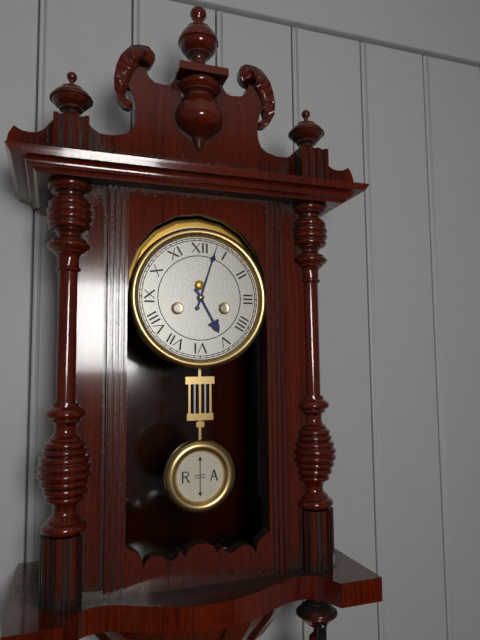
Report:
5:03
